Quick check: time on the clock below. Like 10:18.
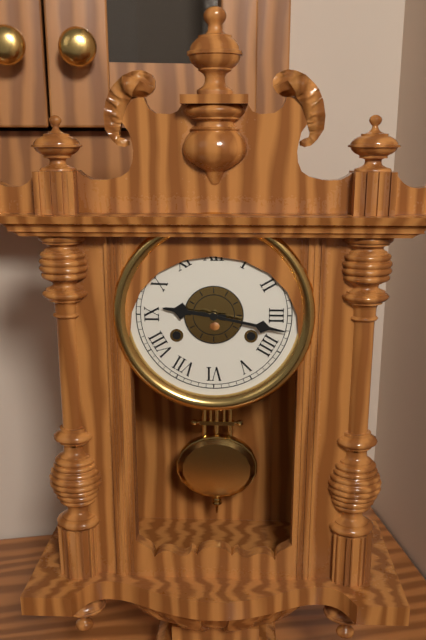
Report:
9:17
